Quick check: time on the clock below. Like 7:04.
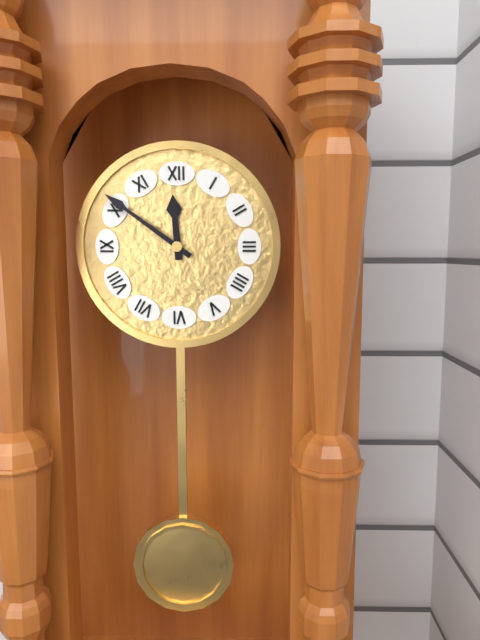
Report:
11:51
